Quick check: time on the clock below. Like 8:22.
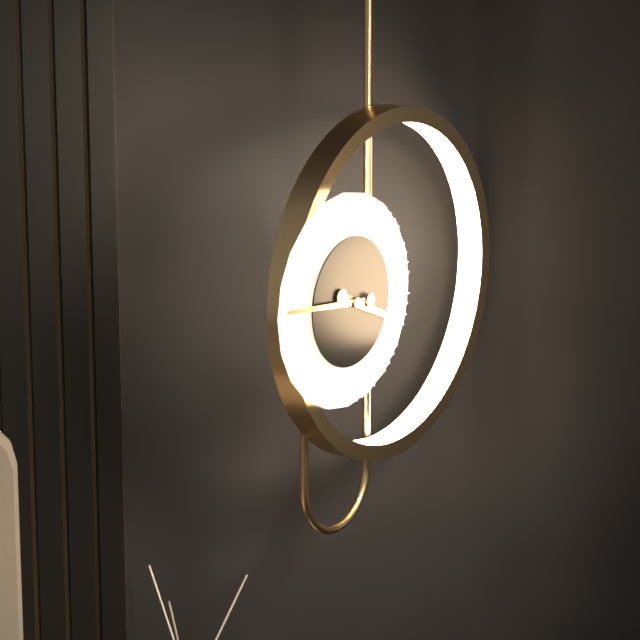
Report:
3:46
